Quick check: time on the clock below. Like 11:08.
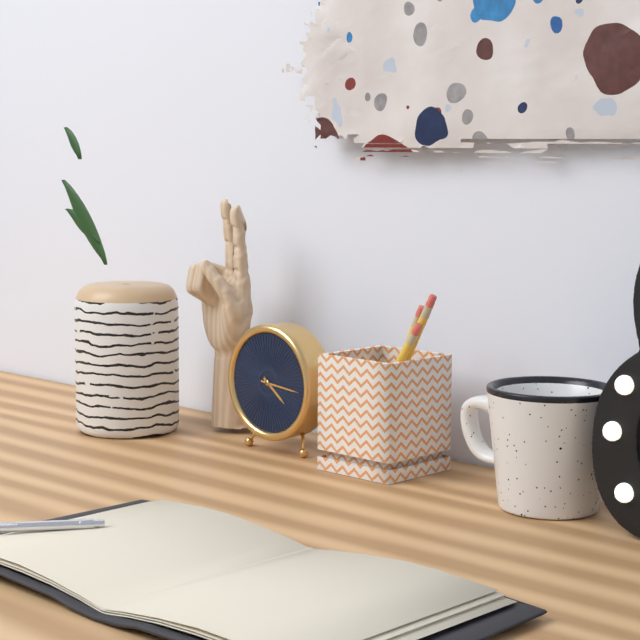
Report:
4:16
